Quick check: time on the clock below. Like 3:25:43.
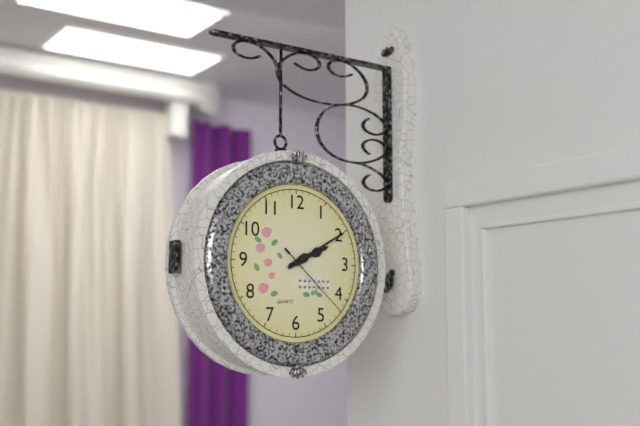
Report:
2:10:22
